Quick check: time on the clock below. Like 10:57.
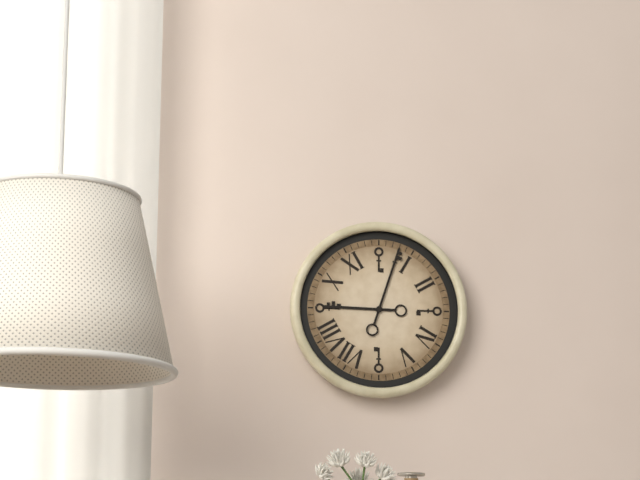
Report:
9:03
